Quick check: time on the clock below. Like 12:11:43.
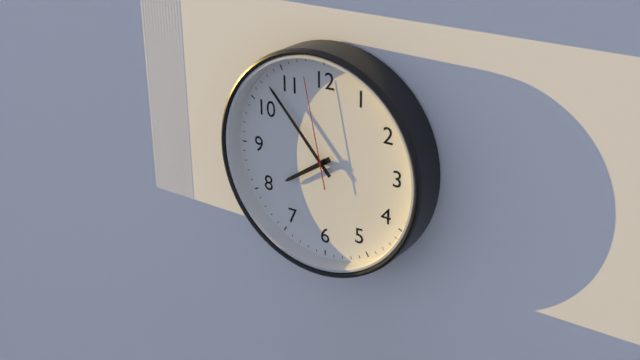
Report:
7:53:58
